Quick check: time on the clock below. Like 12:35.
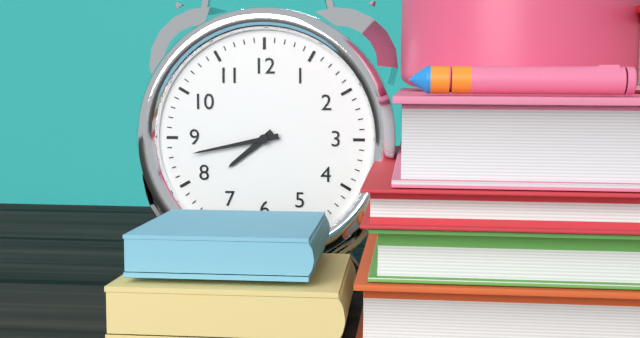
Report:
7:43
